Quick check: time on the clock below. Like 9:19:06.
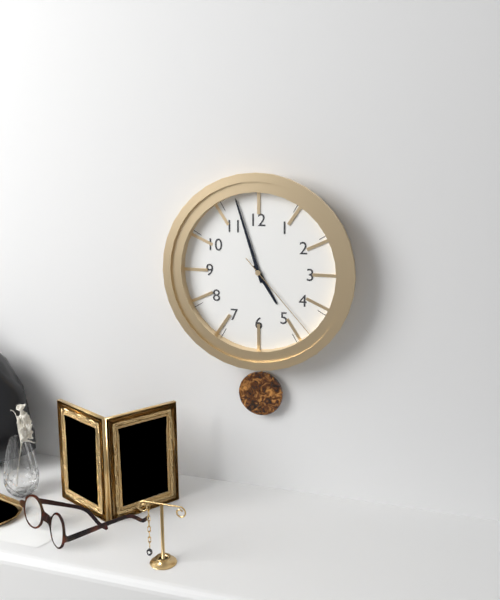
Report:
4:57:23
